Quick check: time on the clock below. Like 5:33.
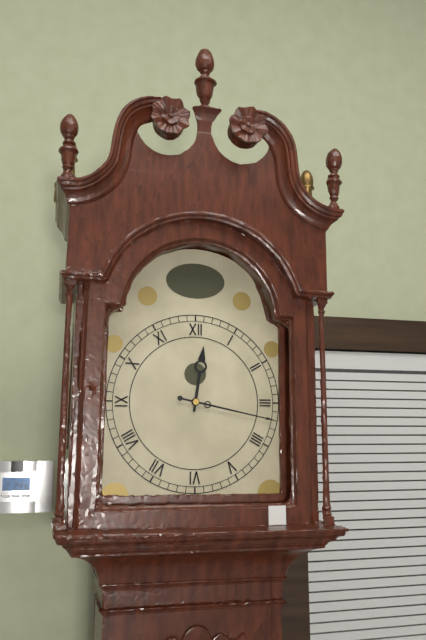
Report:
12:17
